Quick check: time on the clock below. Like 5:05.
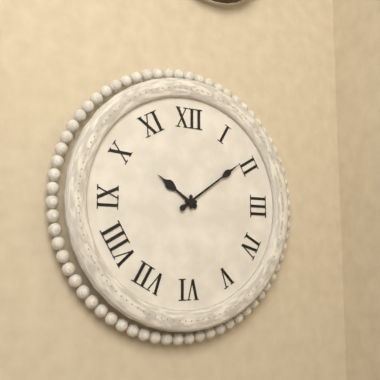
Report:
10:09
